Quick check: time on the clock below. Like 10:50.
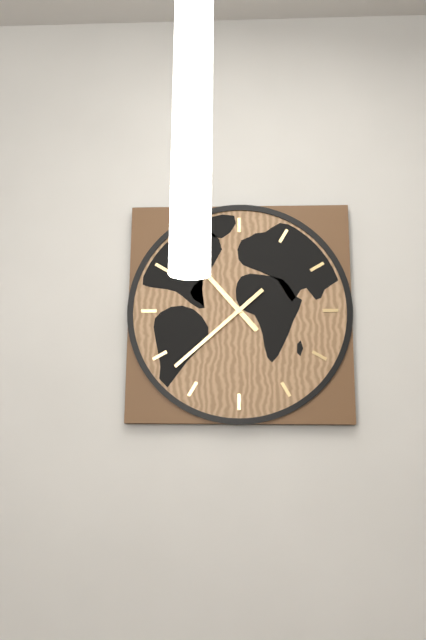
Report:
10:38
